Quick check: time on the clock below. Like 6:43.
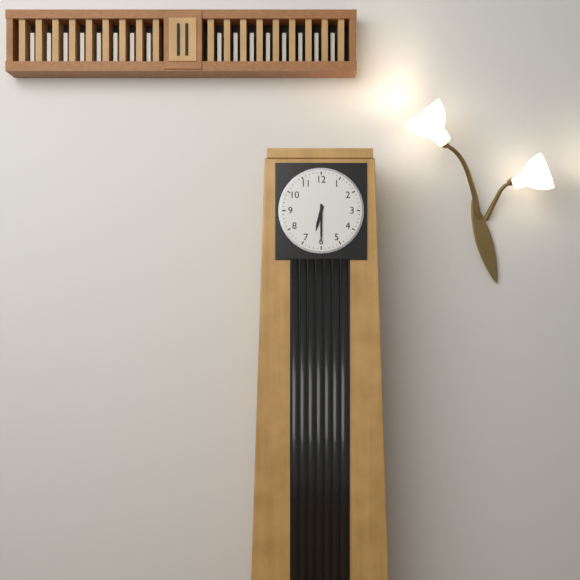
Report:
6:30
